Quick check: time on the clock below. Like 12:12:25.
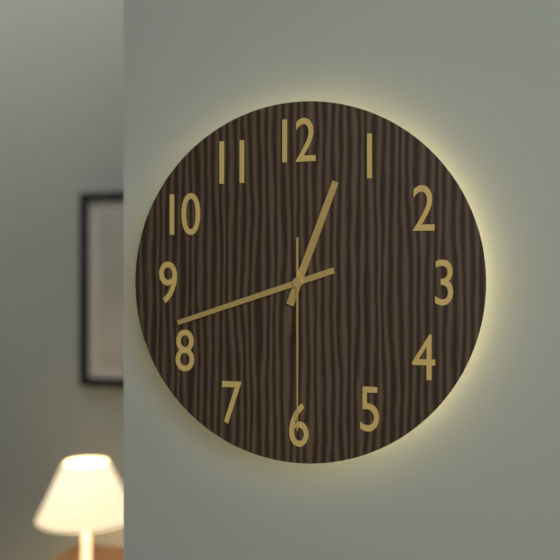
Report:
12:42:30
